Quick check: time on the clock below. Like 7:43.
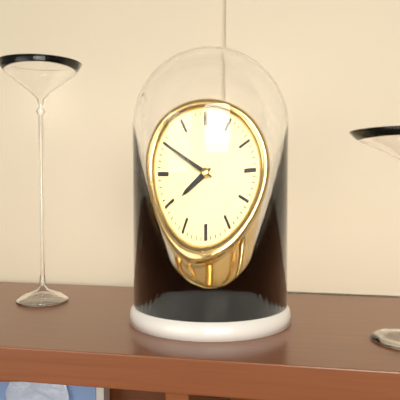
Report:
7:50
